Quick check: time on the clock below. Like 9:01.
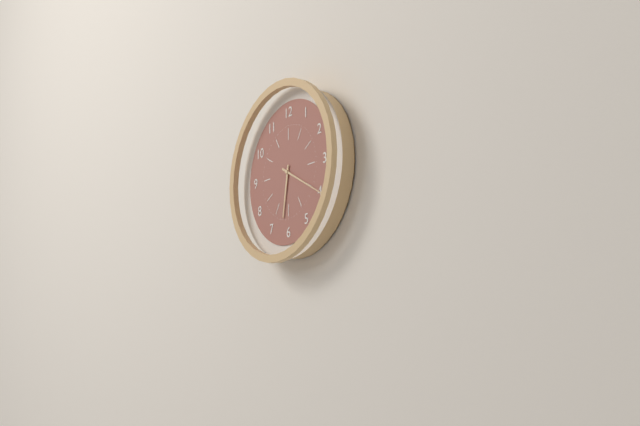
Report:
6:20
